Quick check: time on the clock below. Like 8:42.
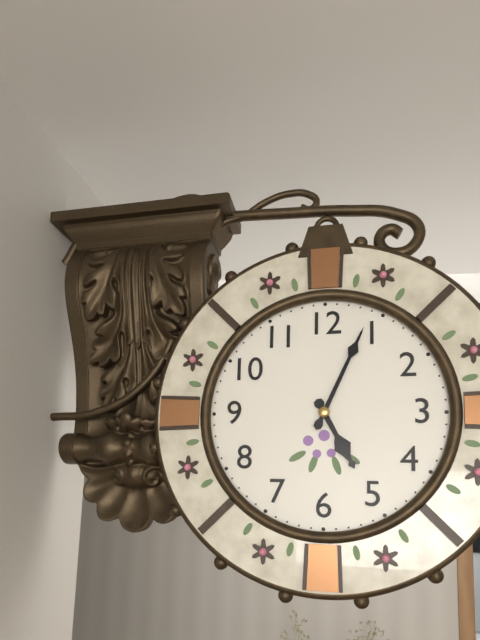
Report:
5:04
